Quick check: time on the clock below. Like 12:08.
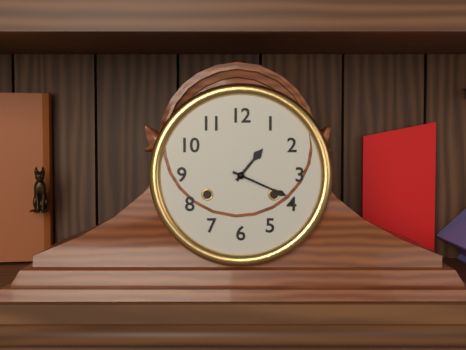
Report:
1:19
